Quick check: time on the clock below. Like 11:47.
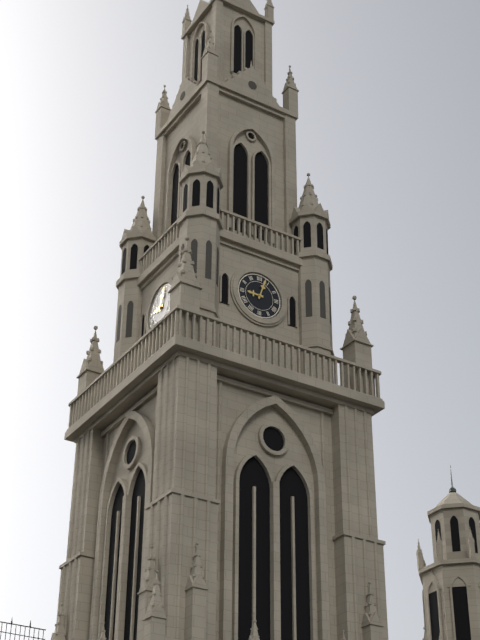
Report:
9:03
